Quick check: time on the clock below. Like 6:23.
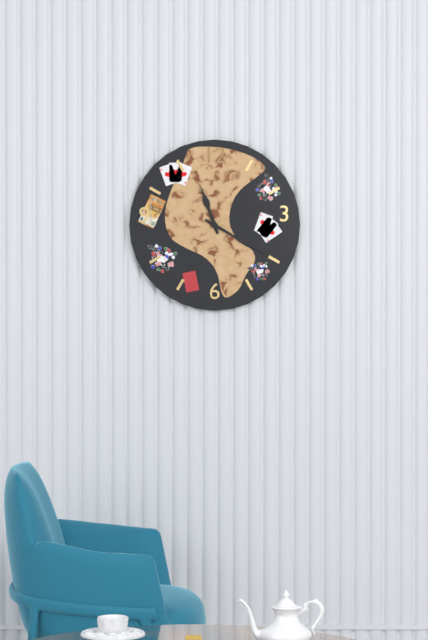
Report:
11:20
